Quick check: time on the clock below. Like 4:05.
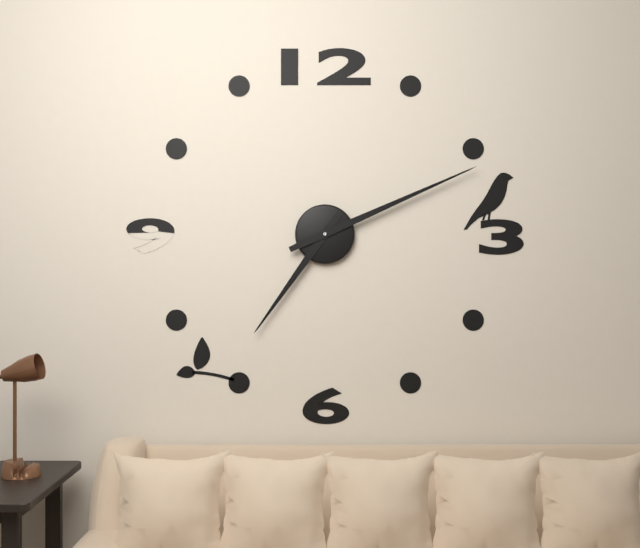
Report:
7:11
